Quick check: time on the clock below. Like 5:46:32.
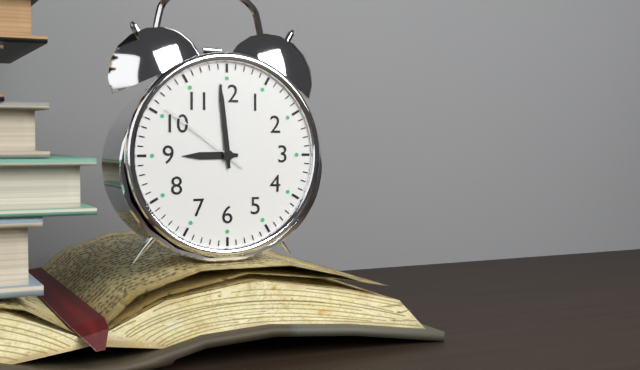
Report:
8:59:51
